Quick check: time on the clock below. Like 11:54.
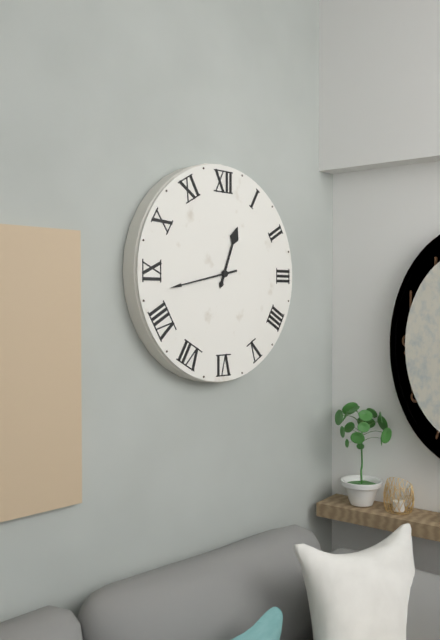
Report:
12:43
